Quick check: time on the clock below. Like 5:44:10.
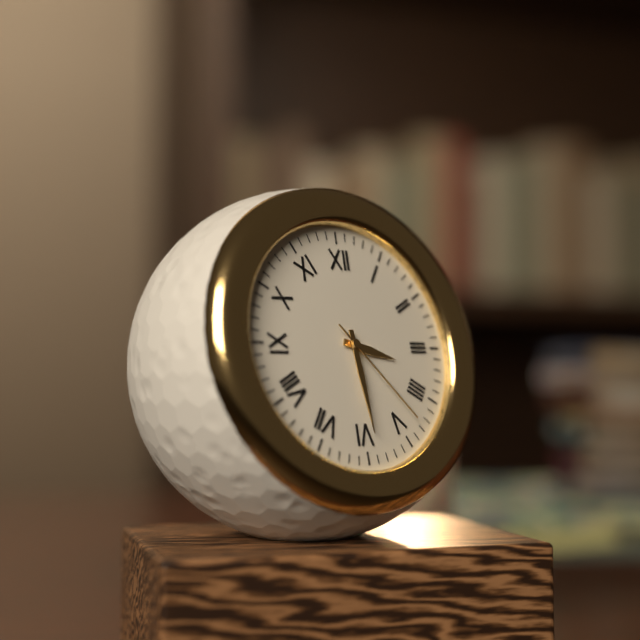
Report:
3:29:23
